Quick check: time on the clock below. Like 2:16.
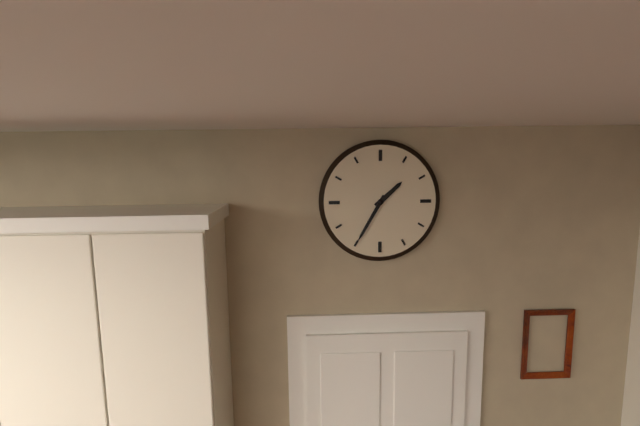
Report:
1:35
